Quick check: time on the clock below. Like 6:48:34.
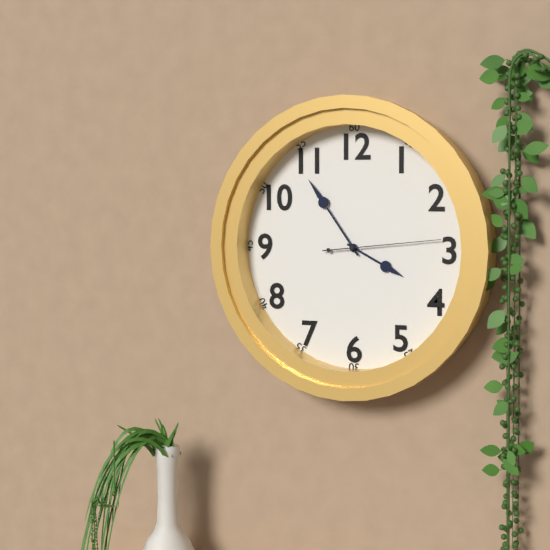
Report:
3:54:14
